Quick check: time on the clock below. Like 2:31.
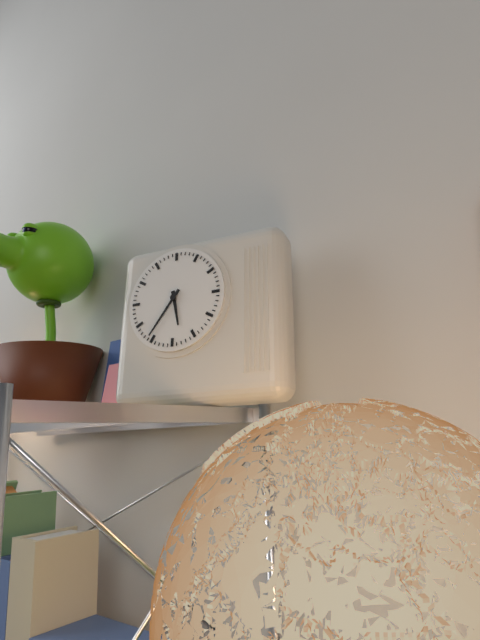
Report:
5:36
